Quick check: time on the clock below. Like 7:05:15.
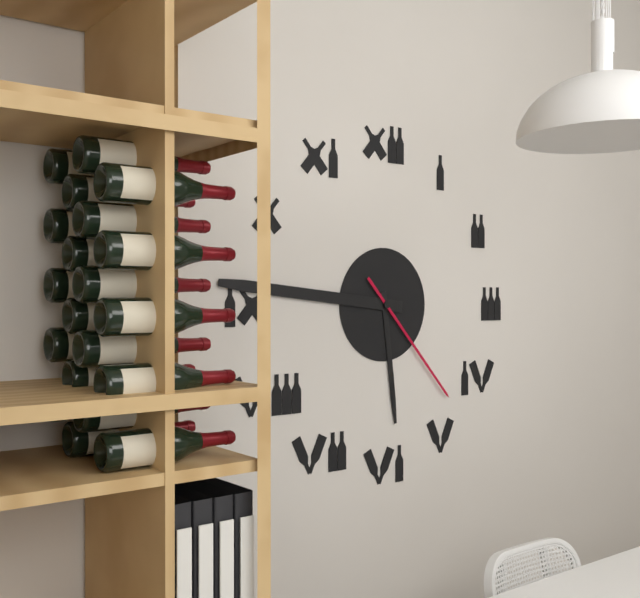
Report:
5:46:23
